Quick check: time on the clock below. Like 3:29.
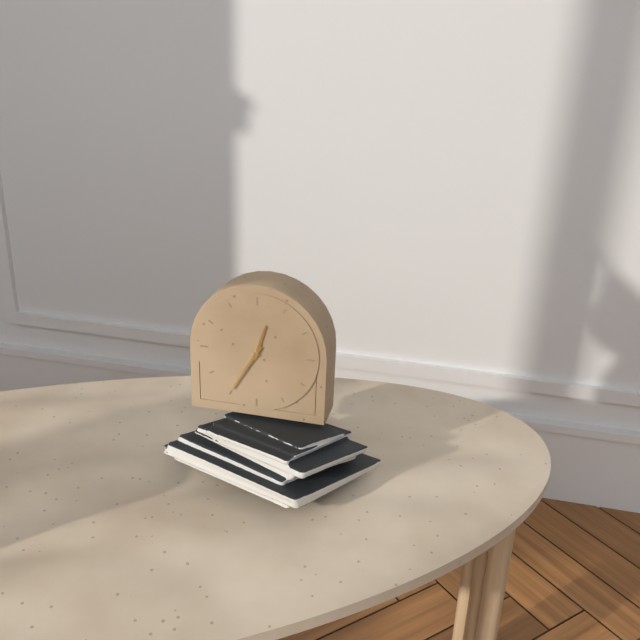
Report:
12:35
